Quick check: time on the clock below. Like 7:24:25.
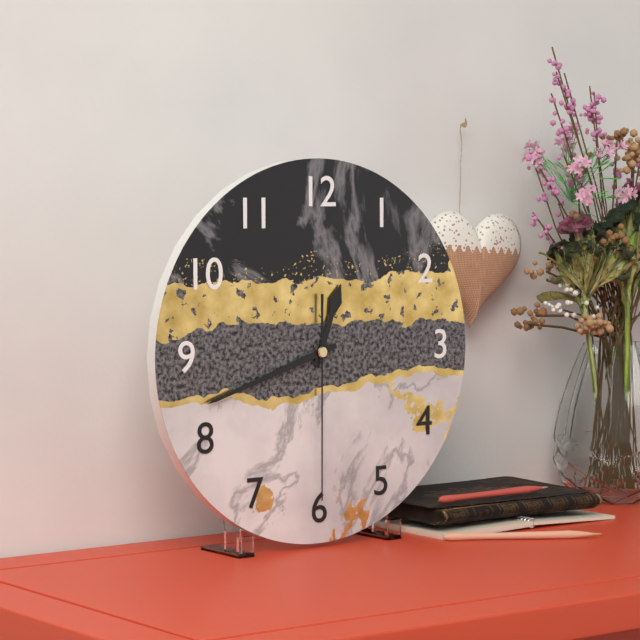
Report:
12:42:30
